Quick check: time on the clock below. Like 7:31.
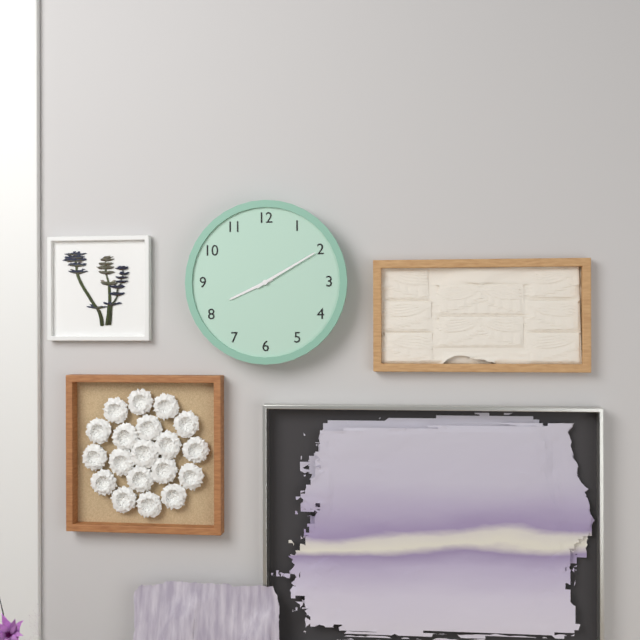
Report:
8:10
